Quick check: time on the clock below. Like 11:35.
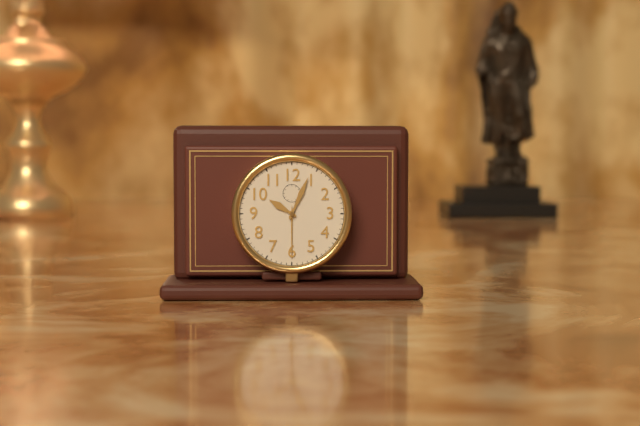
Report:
10:04
